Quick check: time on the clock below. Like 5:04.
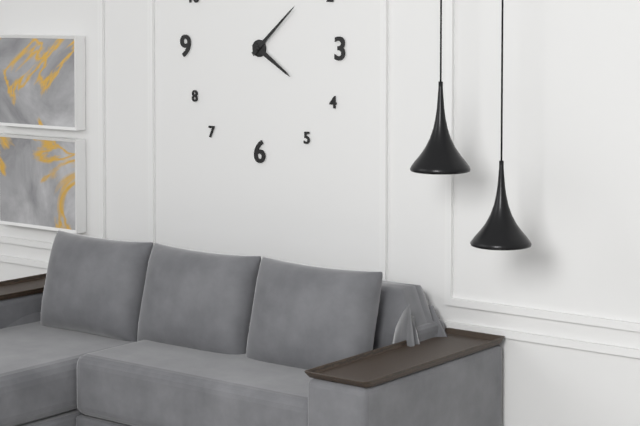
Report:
4:08
